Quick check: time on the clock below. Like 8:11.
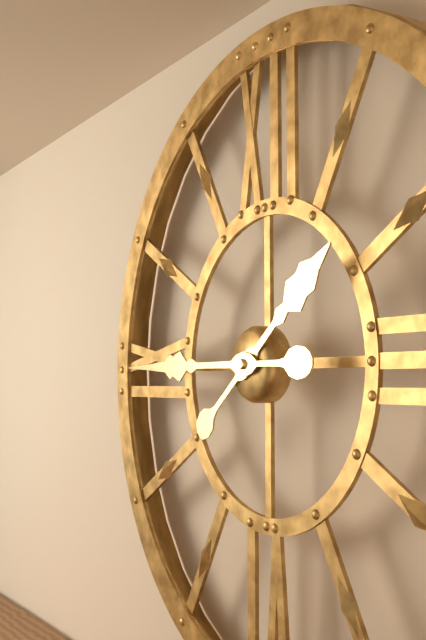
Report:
1:45
